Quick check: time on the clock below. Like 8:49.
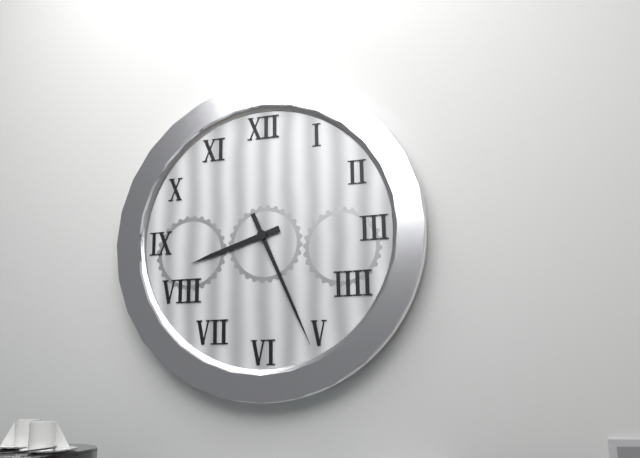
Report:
8:26
